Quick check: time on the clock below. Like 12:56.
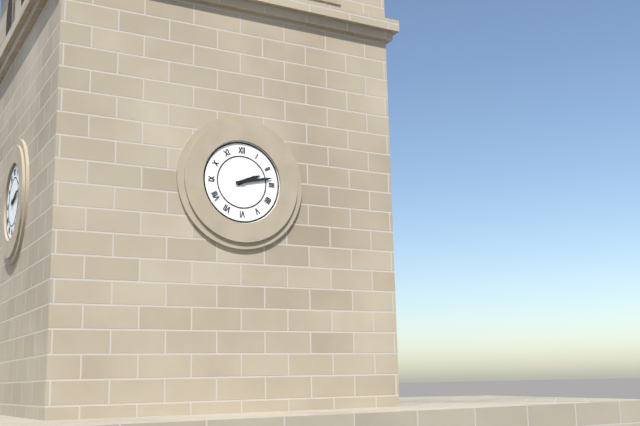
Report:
2:13
